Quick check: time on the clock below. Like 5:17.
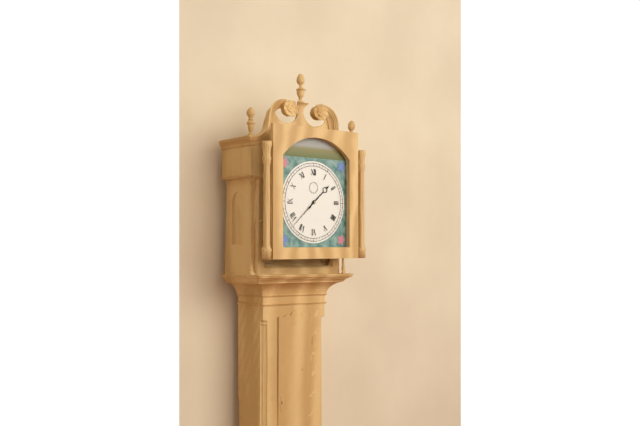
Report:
1:38
